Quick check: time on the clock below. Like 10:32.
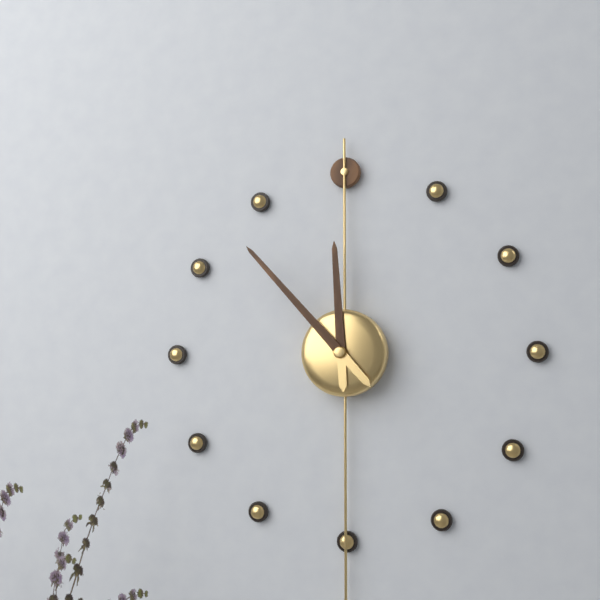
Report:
11:53
